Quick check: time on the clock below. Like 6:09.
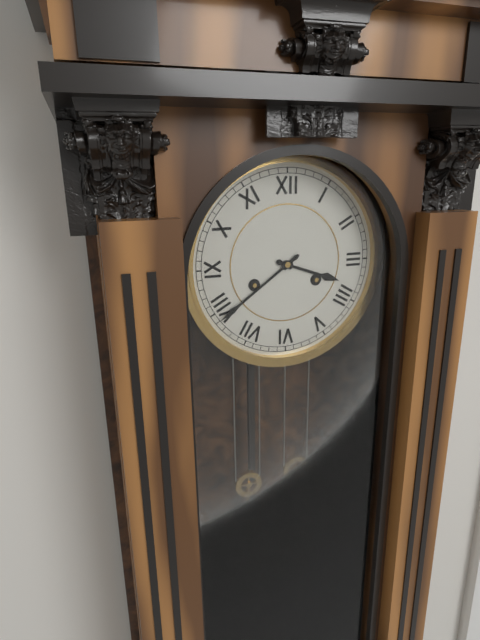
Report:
3:39
